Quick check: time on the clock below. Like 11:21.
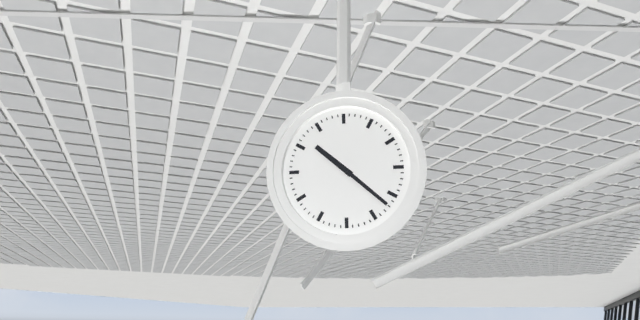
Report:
10:22
